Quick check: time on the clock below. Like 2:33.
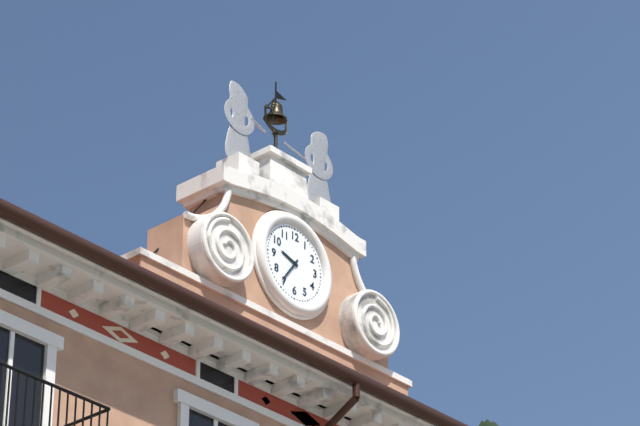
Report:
9:36
